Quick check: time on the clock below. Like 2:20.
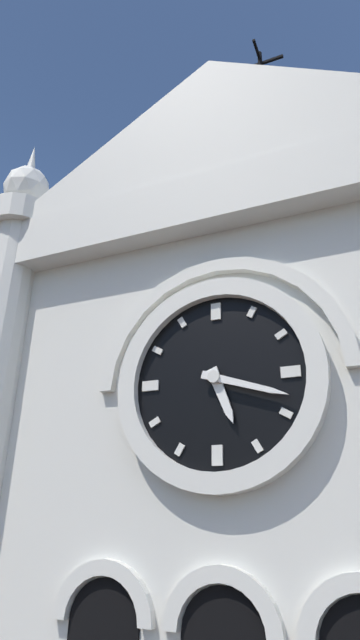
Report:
5:18
